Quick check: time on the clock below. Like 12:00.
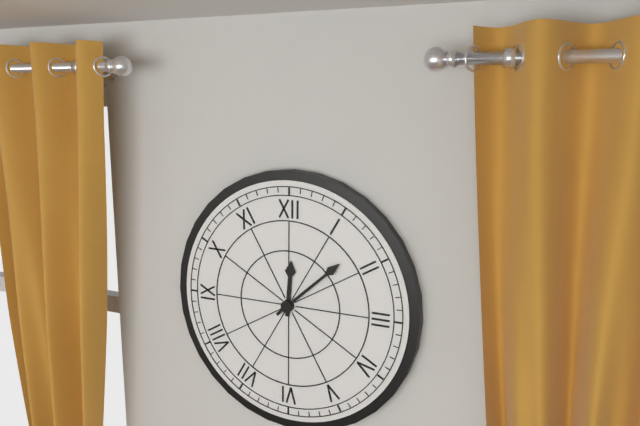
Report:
12:08
